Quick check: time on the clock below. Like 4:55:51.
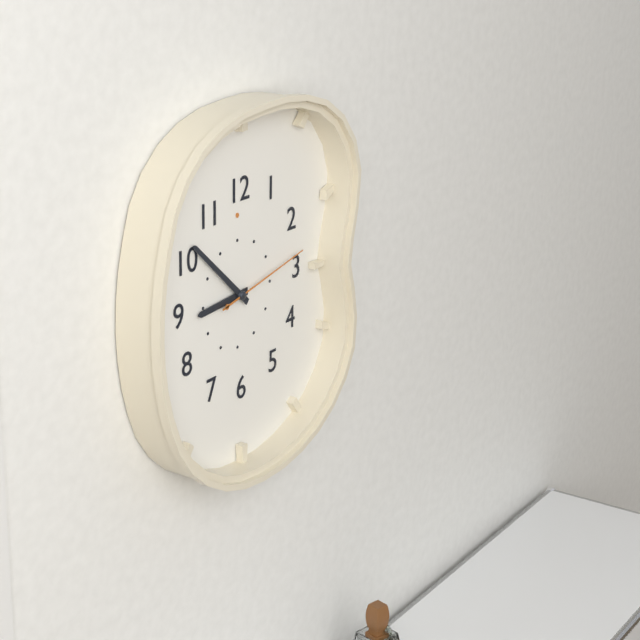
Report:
8:52:13
